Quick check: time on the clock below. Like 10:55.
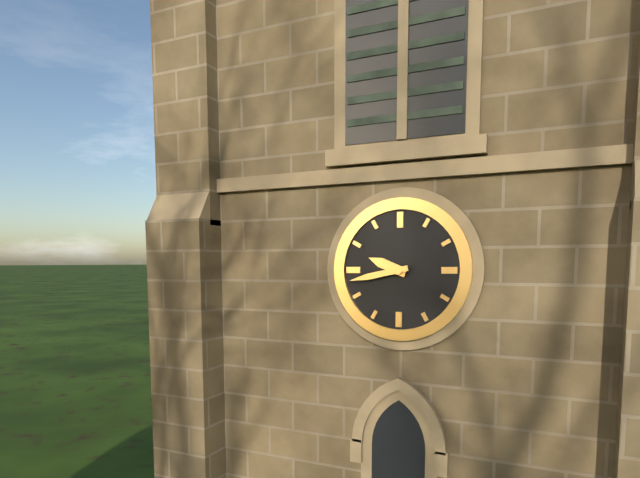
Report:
9:43
